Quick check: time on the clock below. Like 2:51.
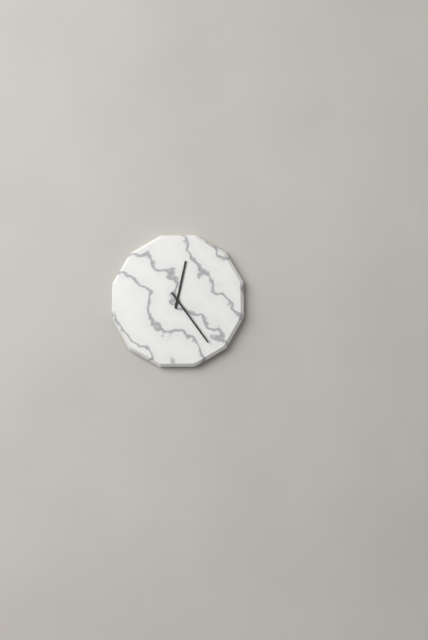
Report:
12:24
